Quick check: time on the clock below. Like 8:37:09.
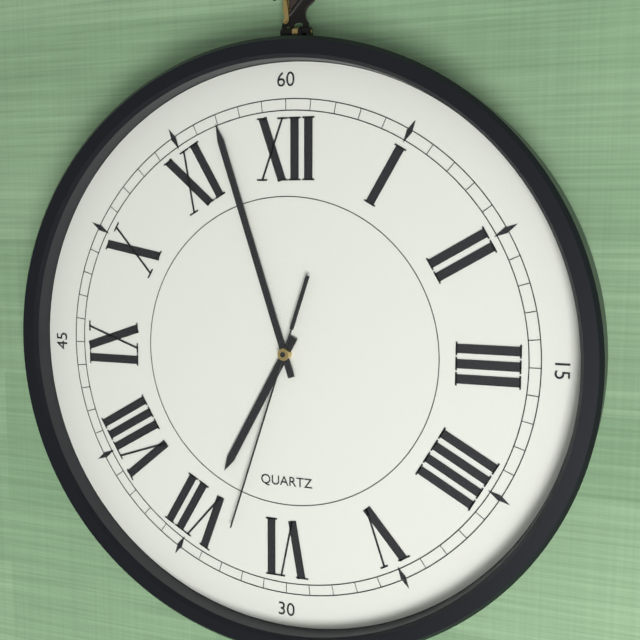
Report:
6:57:33
